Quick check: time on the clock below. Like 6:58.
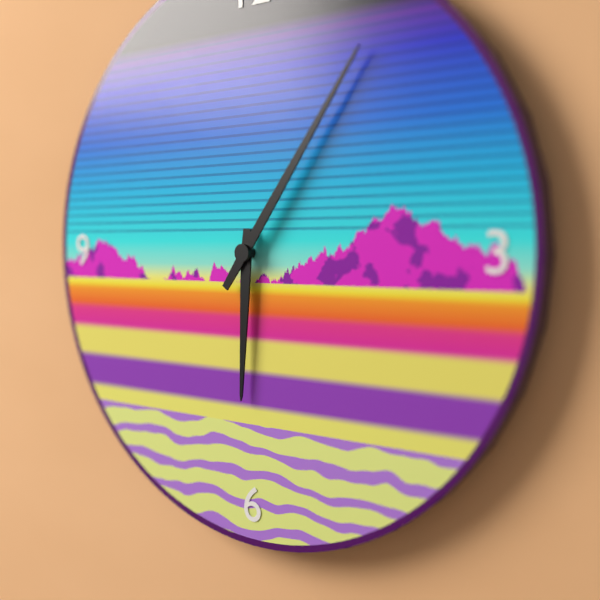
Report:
6:06
